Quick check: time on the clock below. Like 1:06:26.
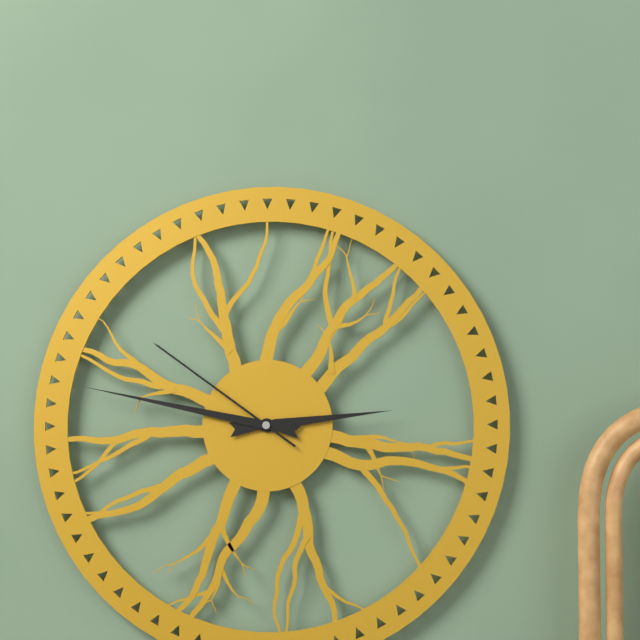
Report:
2:47:51
